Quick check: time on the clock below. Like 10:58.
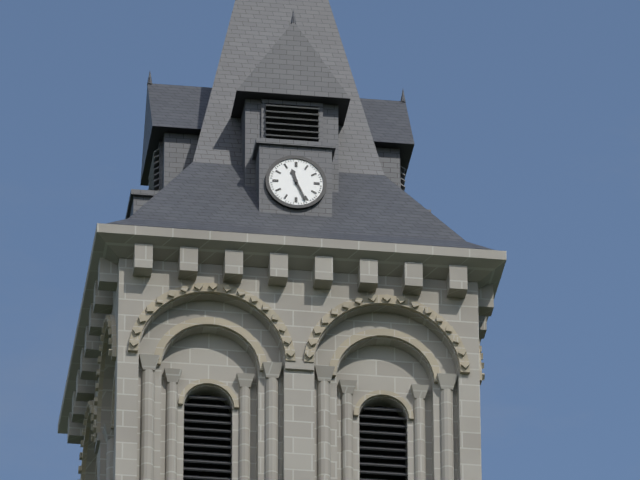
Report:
11:26
